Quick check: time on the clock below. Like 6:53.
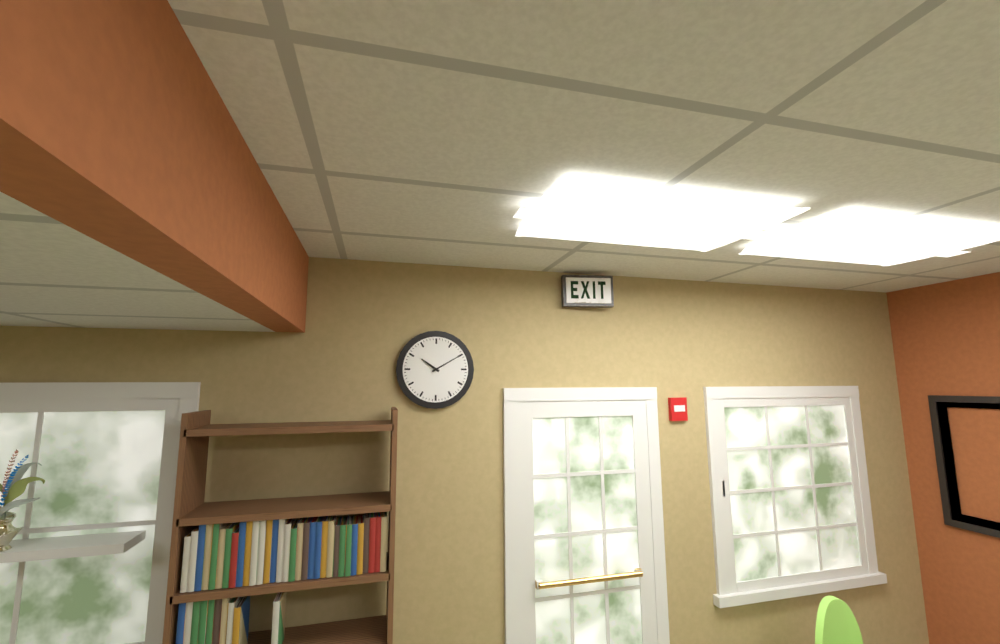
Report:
10:10
